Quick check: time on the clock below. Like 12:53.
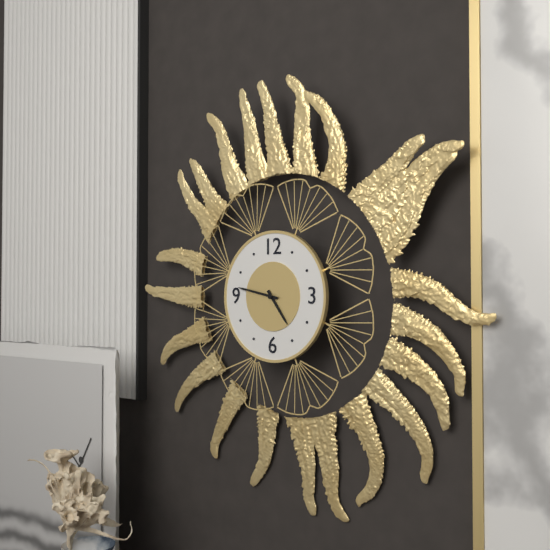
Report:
4:47
